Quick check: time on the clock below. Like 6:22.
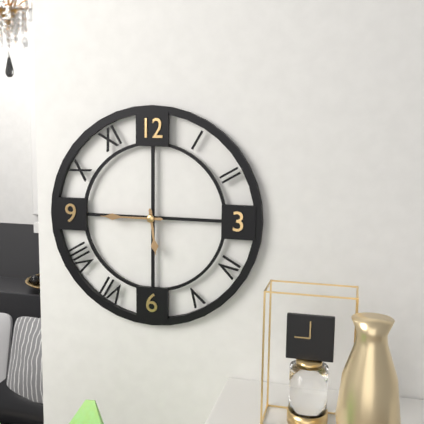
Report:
5:45
